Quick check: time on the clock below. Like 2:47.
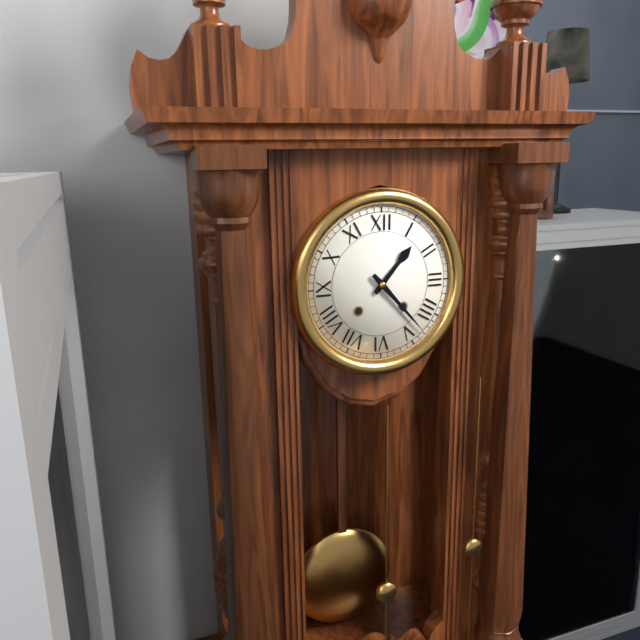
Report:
1:23
